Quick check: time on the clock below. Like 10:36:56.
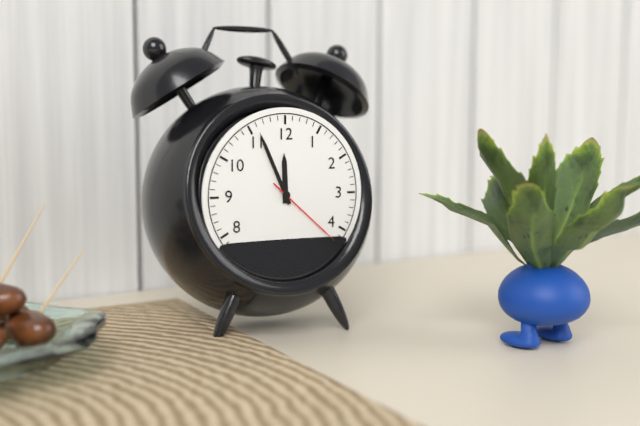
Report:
11:56:22
